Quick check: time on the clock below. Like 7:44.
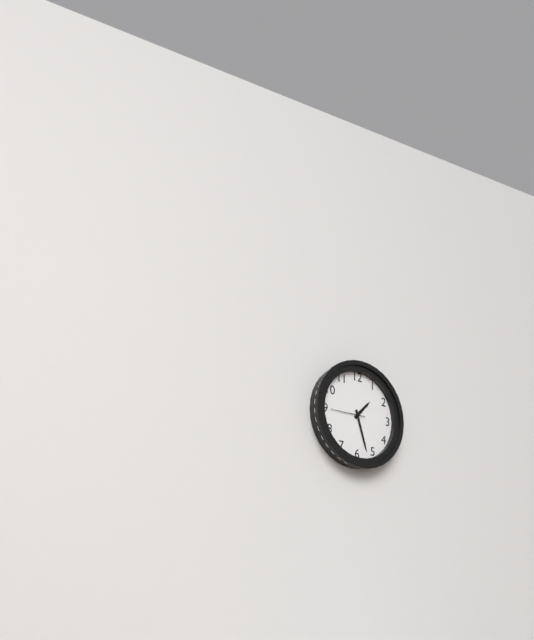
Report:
1:27
